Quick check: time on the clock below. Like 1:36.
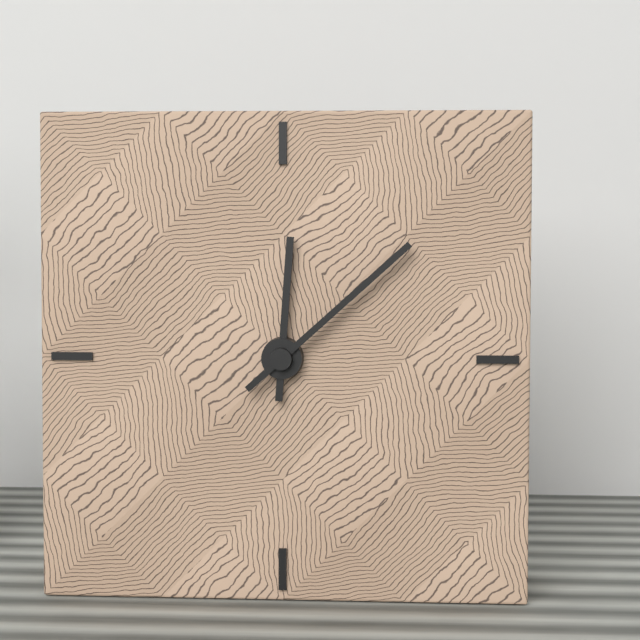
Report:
12:08
